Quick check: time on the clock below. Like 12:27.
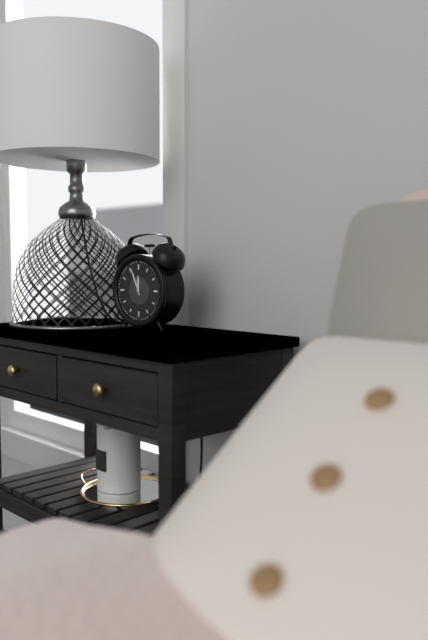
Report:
11:56
